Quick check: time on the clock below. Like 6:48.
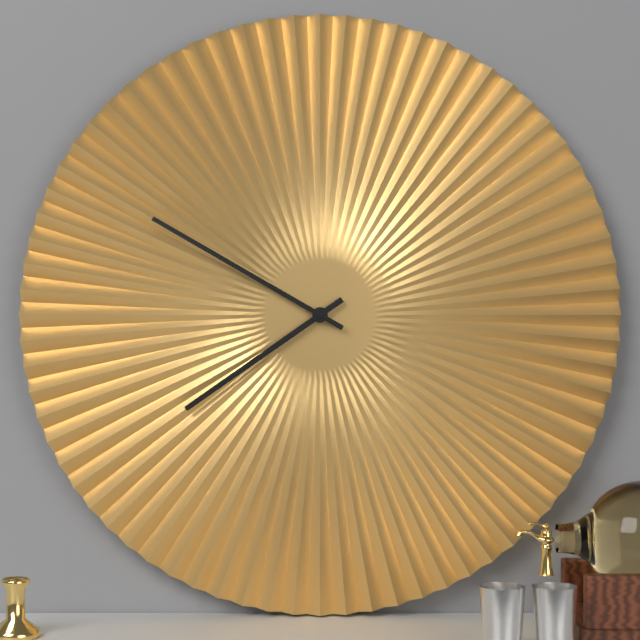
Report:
7:50
